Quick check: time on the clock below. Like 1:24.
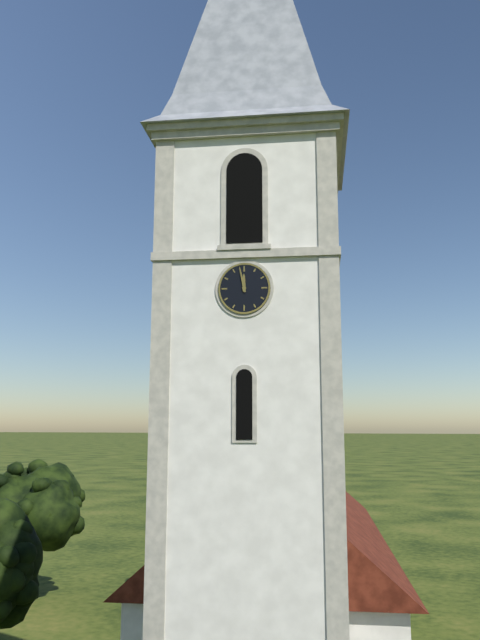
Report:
11:58
